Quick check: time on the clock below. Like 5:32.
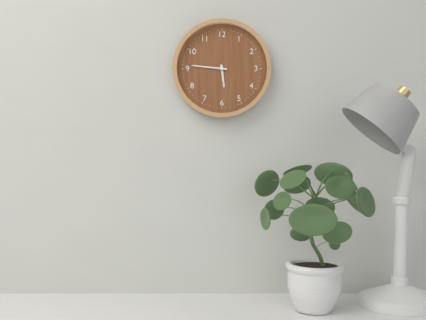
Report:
5:46
